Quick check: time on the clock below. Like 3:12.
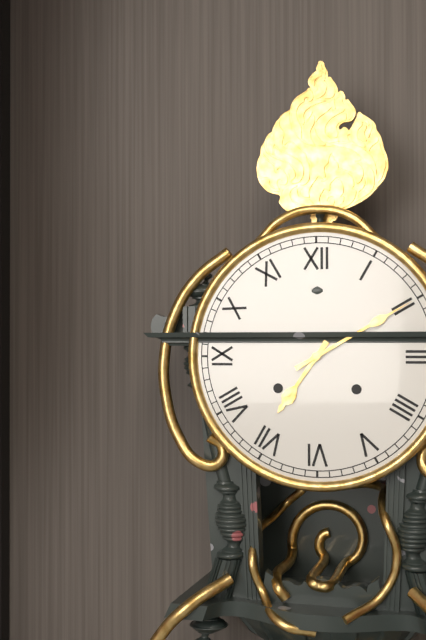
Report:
7:10
